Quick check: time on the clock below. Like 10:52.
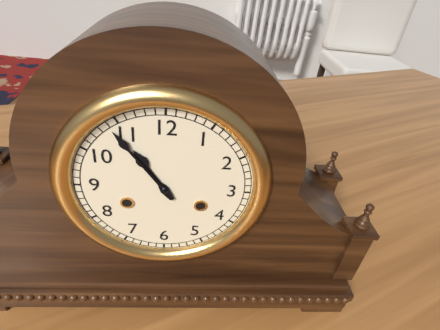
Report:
10:54
